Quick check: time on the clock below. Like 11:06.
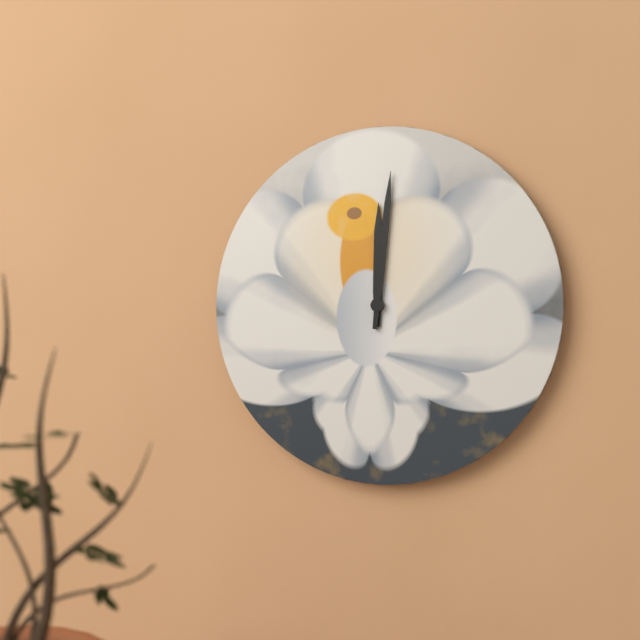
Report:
12:01
